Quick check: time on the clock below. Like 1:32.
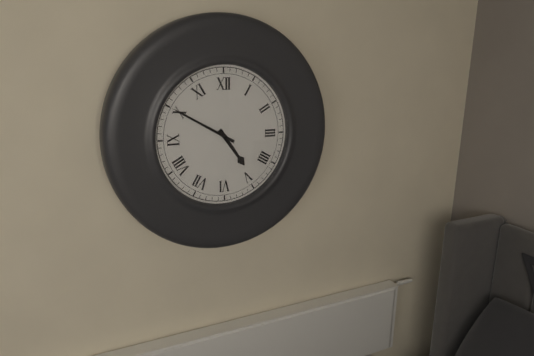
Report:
4:50
